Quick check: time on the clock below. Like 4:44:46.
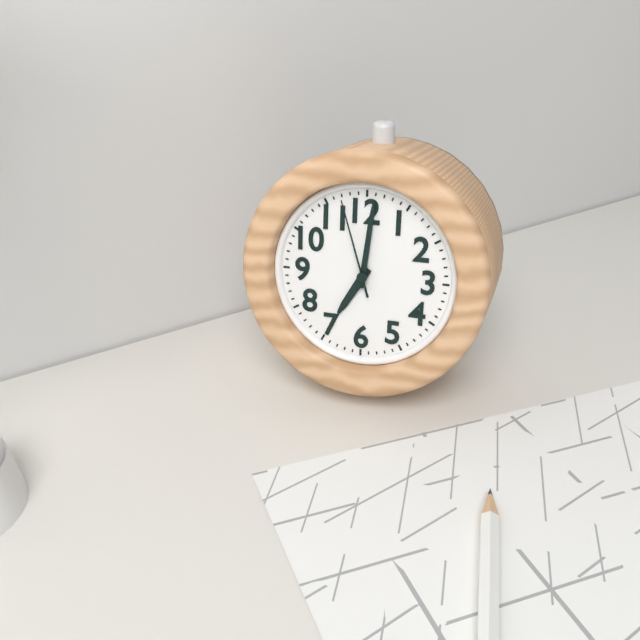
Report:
7:01:57
